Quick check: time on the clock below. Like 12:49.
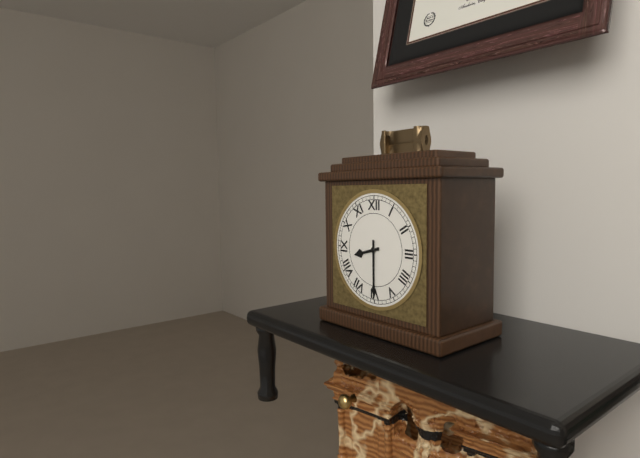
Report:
8:30
